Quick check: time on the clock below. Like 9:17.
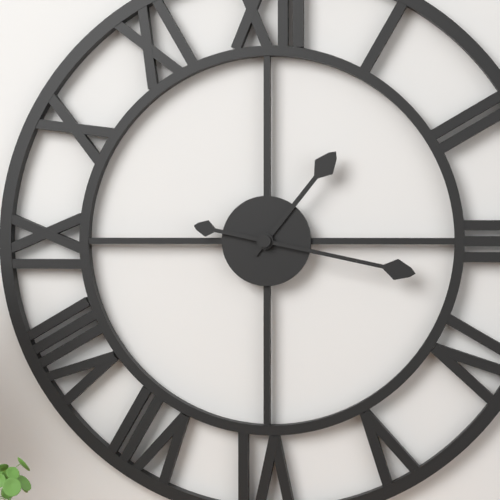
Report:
1:17
